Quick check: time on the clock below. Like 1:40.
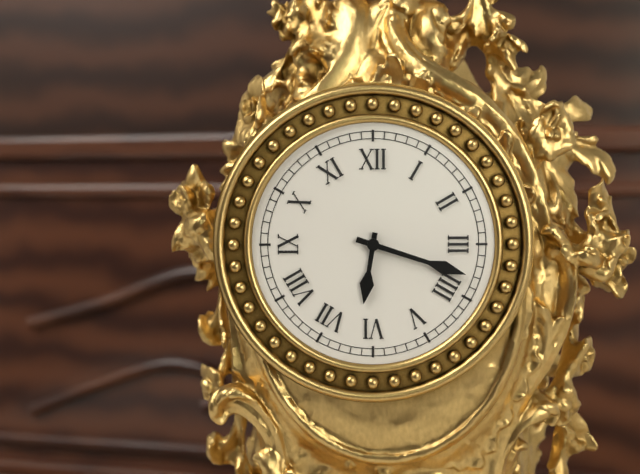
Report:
6:18
